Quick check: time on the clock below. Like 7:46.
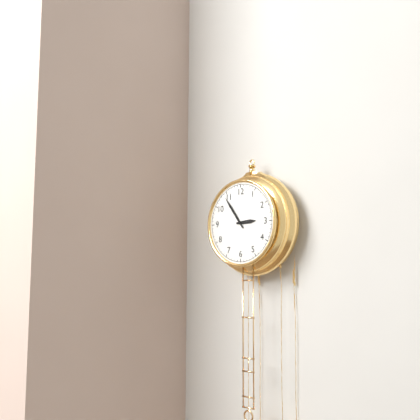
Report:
2:54
